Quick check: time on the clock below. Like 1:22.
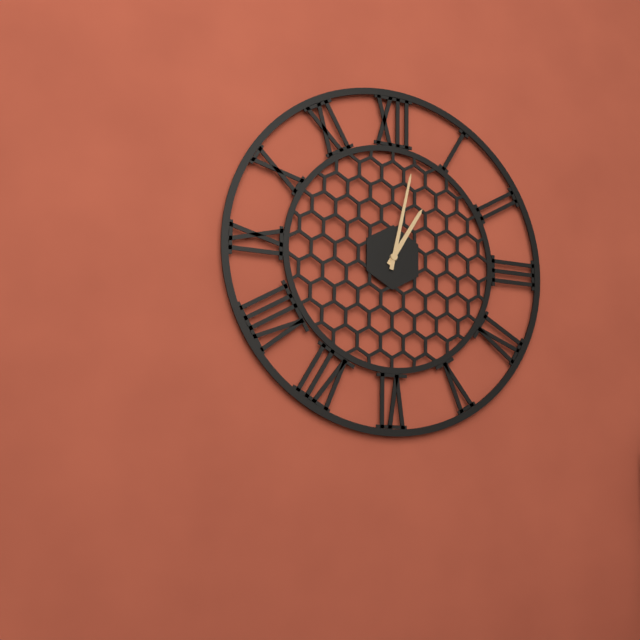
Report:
1:02
